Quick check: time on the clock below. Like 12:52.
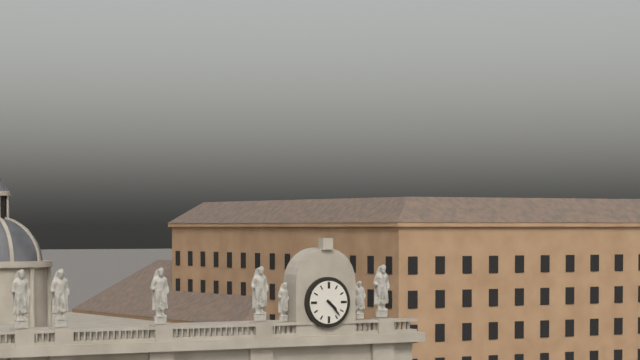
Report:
4:23
